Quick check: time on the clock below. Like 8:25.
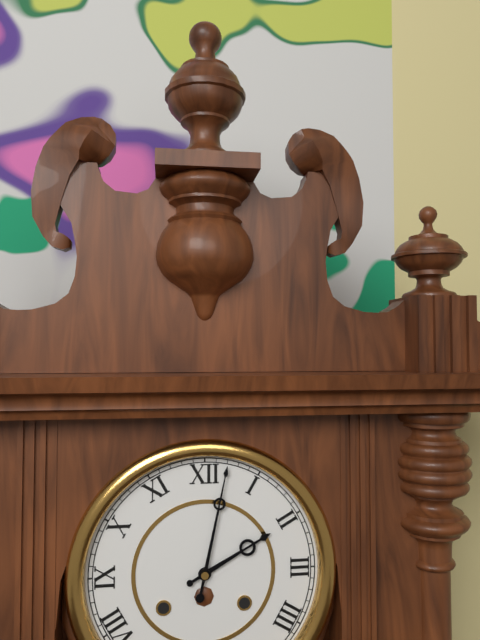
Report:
2:02
